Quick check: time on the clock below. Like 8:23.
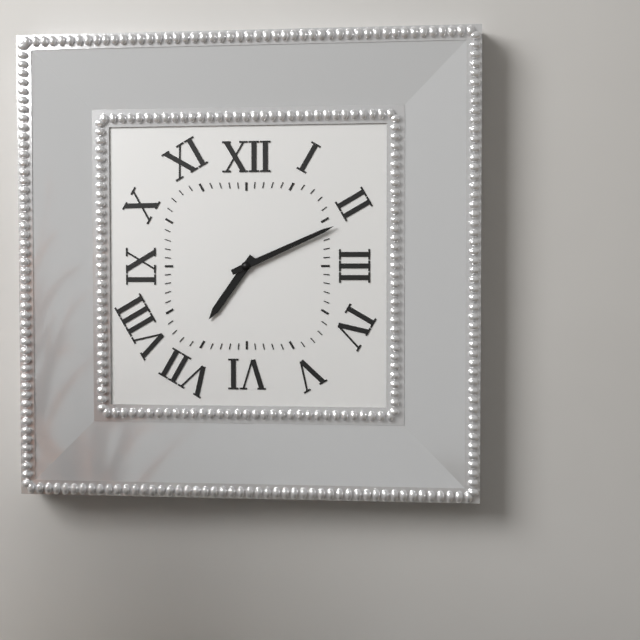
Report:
7:11
